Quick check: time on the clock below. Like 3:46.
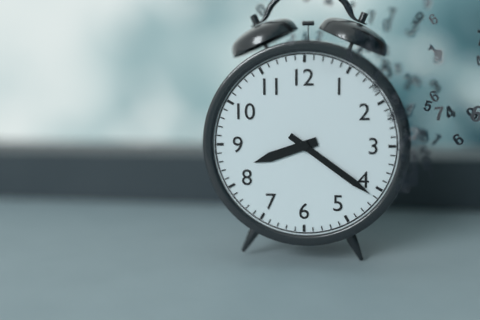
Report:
8:21
